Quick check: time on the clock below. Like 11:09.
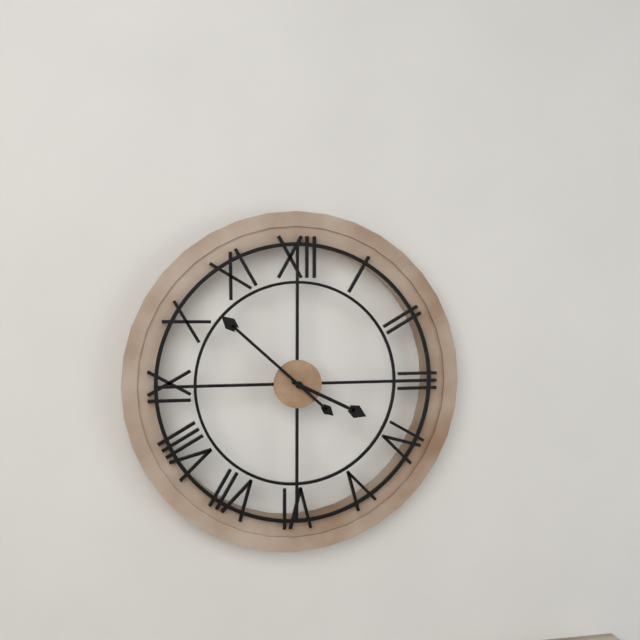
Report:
3:52
